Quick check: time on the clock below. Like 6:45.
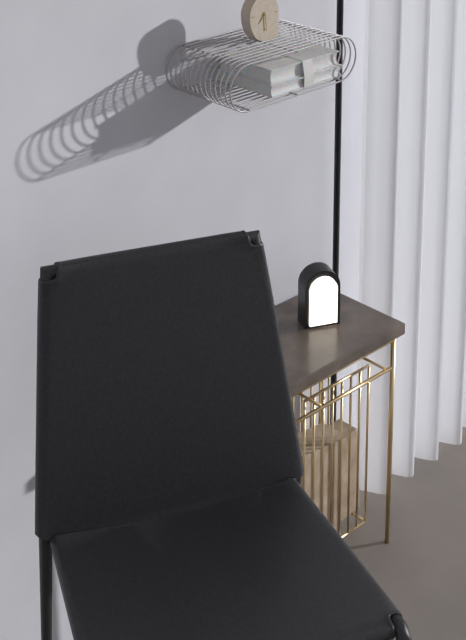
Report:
7:29
